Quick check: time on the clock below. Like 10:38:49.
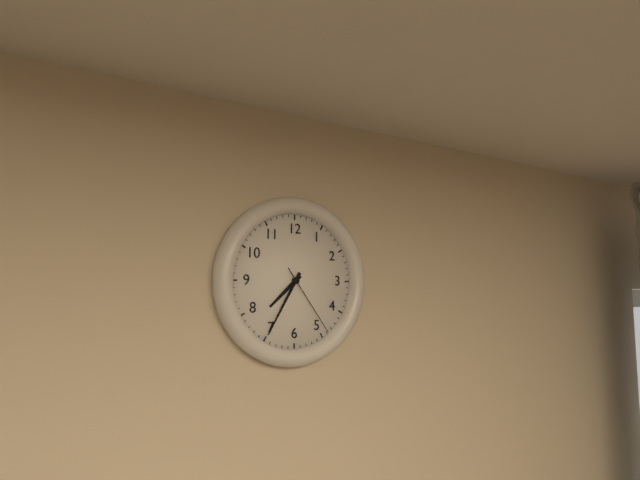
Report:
7:35:24
